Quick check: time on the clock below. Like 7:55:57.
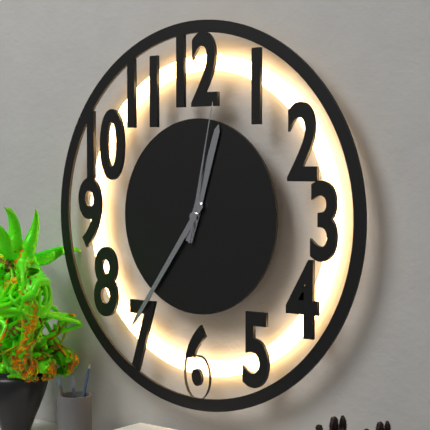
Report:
12:36:02
